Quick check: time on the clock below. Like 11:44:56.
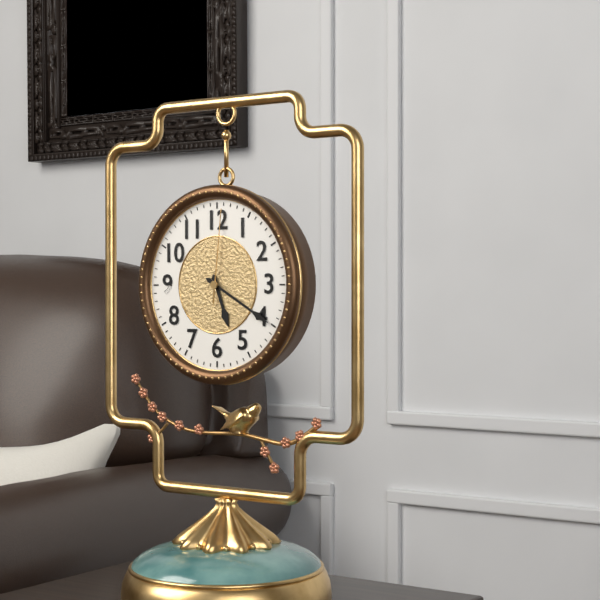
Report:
5:20:01
